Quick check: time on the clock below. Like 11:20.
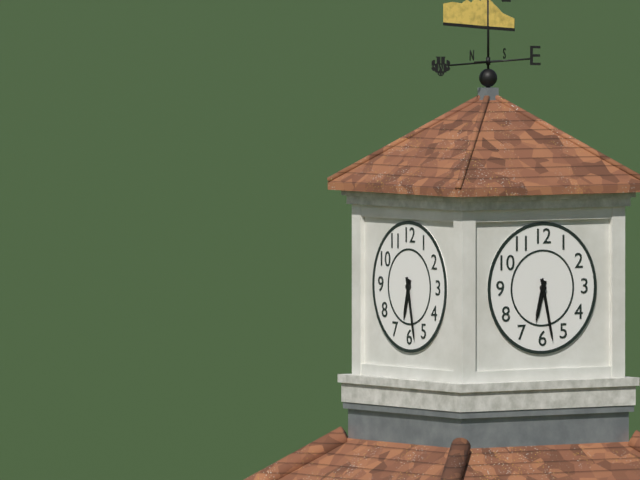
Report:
6:28
